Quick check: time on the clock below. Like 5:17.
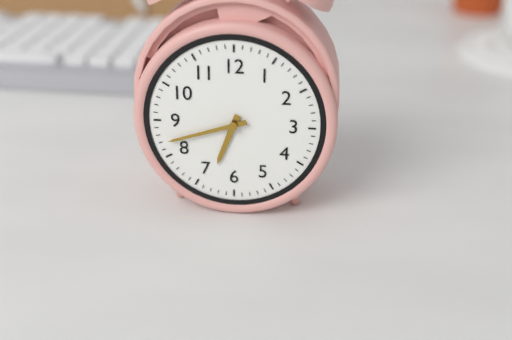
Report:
6:42
